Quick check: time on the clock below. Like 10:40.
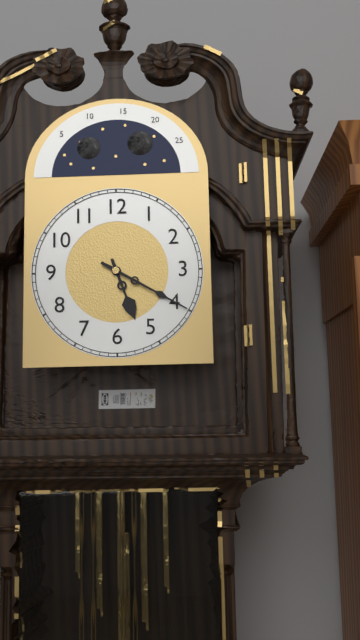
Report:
5:20
